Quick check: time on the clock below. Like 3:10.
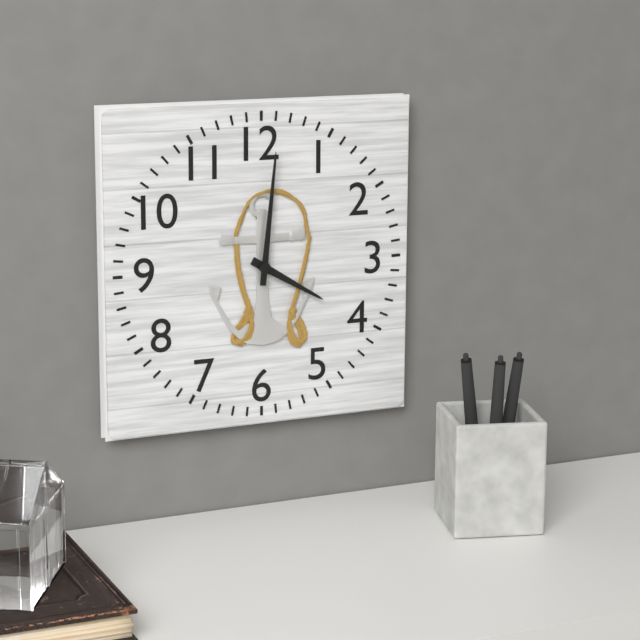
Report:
4:01
